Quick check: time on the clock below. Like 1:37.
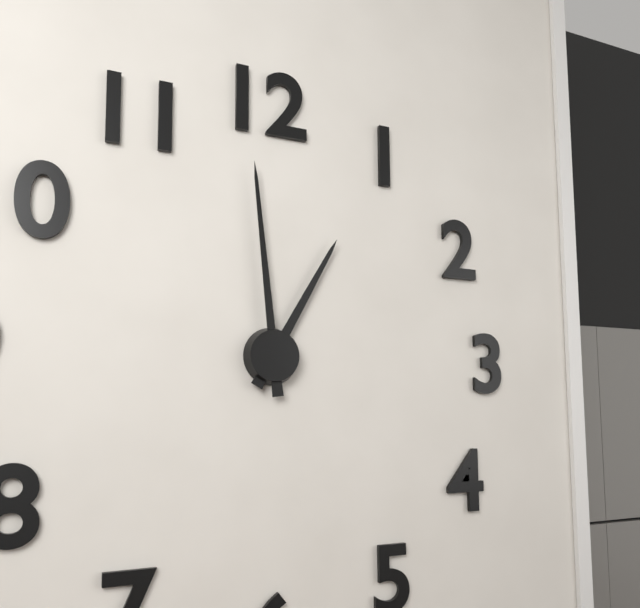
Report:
12:59
